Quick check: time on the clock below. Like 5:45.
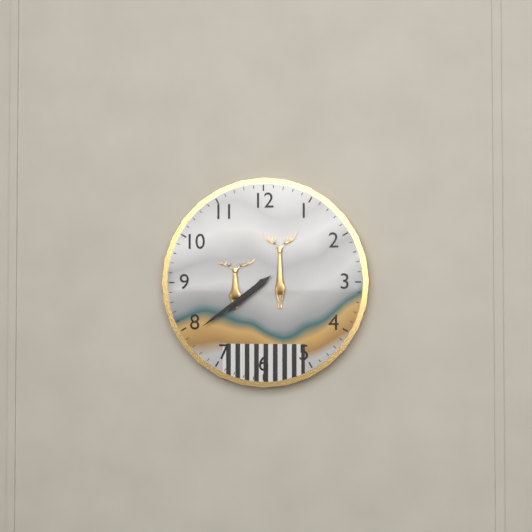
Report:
7:39
